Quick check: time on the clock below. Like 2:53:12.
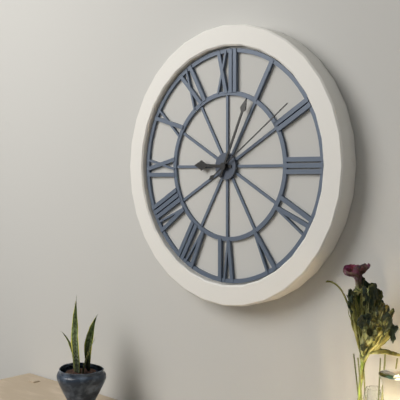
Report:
9:04:09
